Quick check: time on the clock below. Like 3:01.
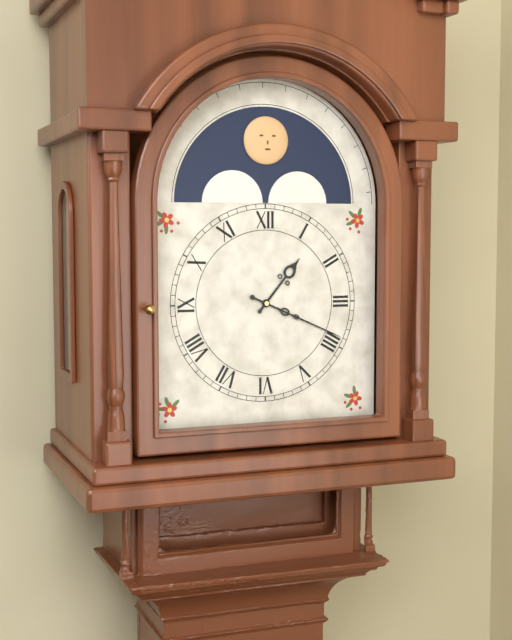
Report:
1:19
